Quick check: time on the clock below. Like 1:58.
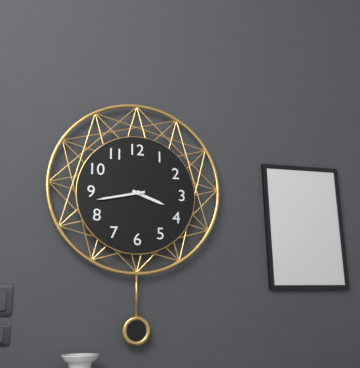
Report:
3:43
